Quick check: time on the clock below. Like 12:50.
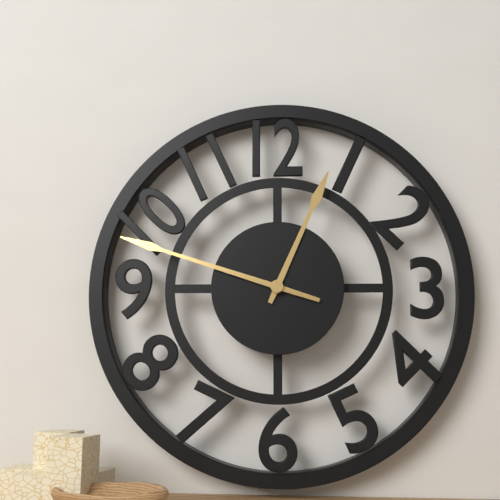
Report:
12:48
